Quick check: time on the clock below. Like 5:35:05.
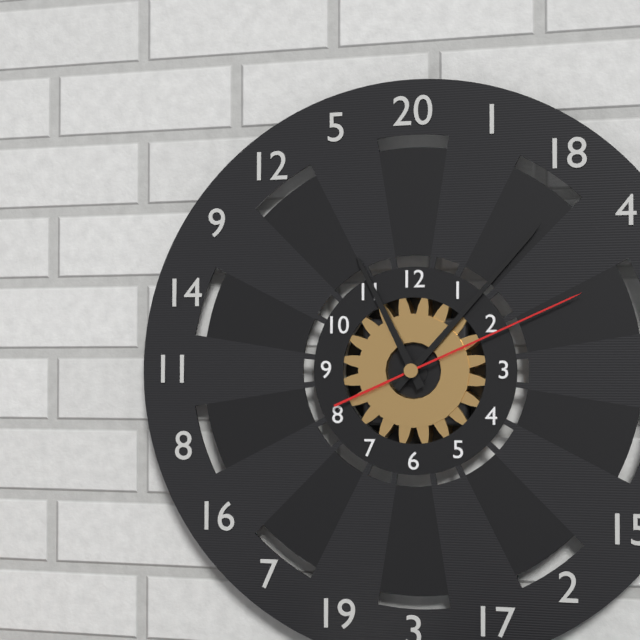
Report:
11:07:11
